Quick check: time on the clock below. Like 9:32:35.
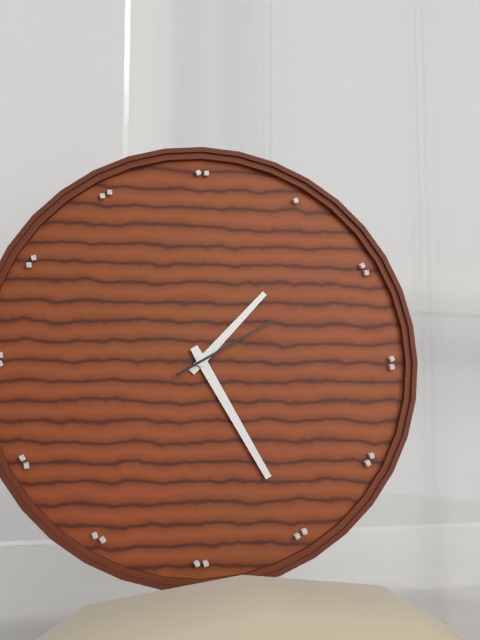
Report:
1:25:10
